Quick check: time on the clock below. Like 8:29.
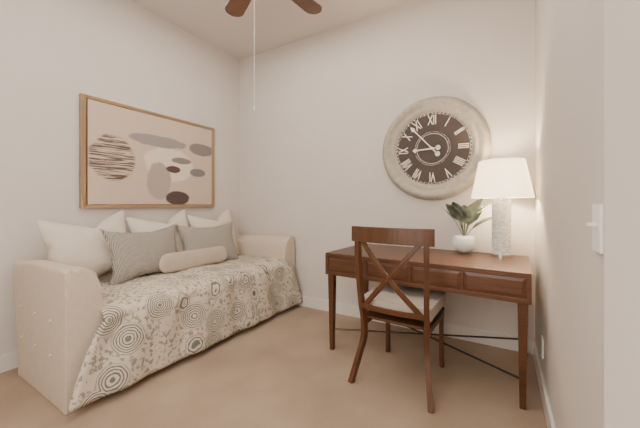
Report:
8:53
